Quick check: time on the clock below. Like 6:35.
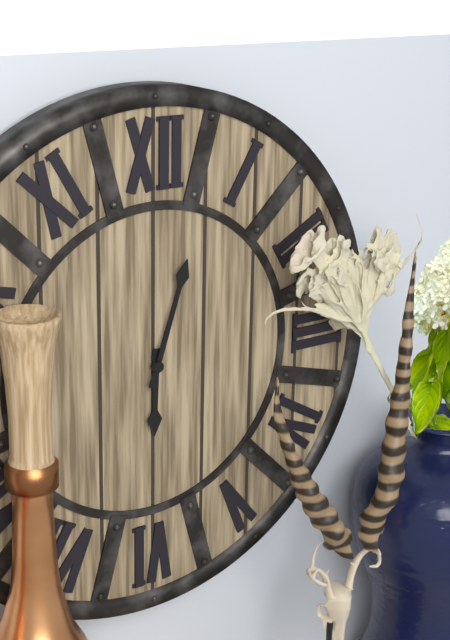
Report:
6:03
